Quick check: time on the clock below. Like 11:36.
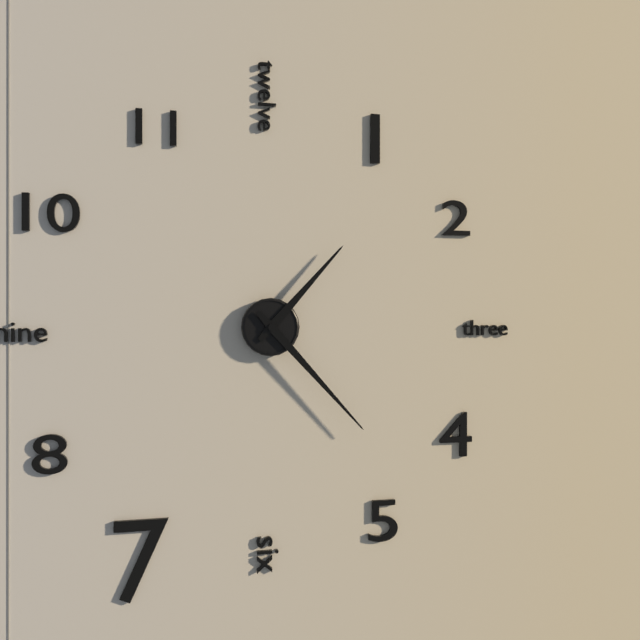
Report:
1:23
